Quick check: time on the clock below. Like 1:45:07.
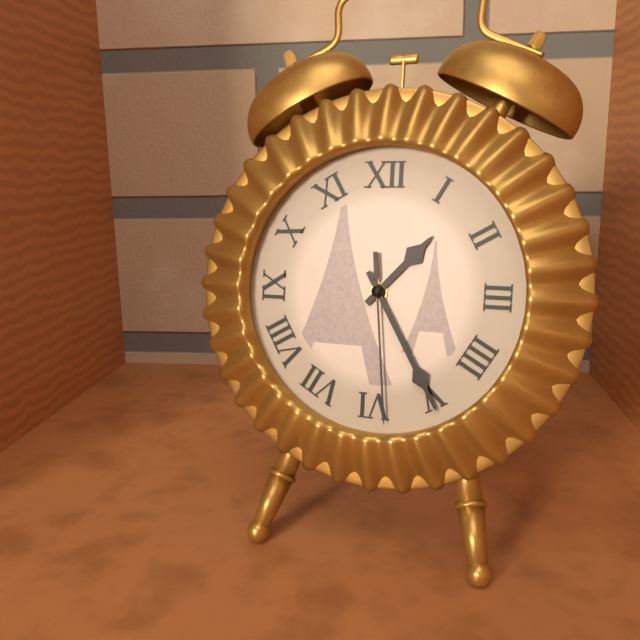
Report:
1:25:29
